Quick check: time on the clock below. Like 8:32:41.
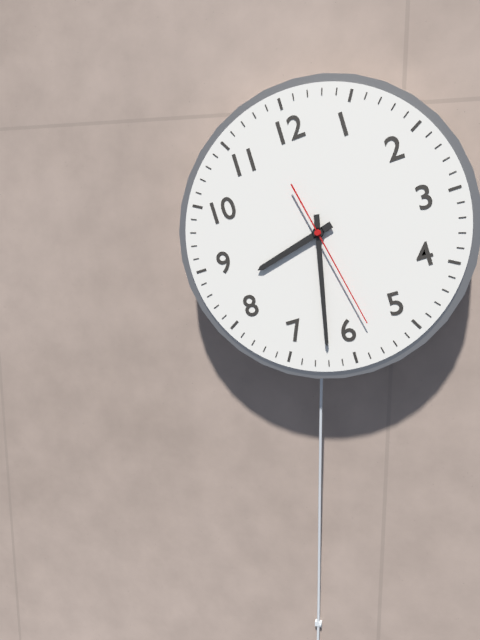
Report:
8:32:28
